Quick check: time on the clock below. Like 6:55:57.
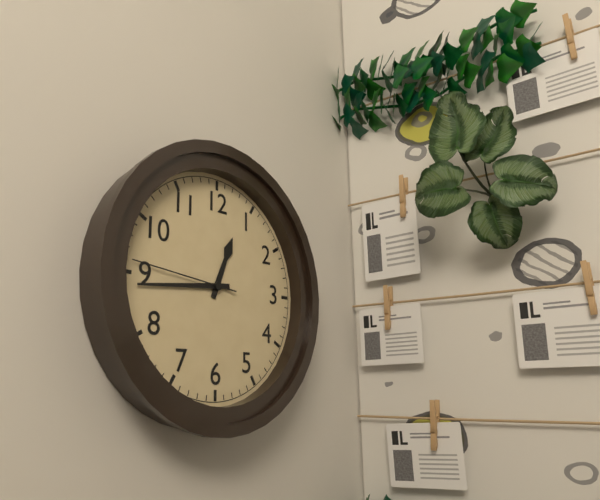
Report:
12:44:46
